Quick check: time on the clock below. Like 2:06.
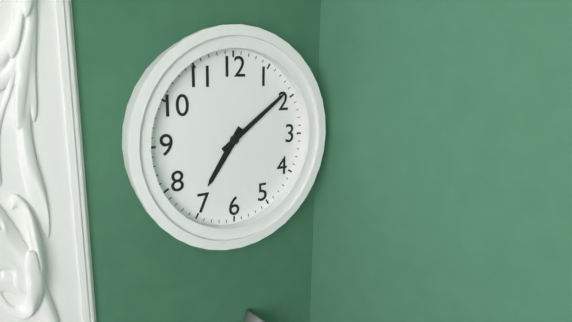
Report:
7:09
